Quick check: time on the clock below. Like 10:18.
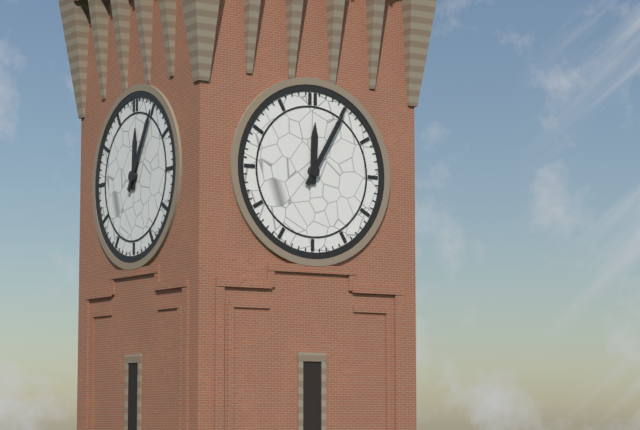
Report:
12:05
